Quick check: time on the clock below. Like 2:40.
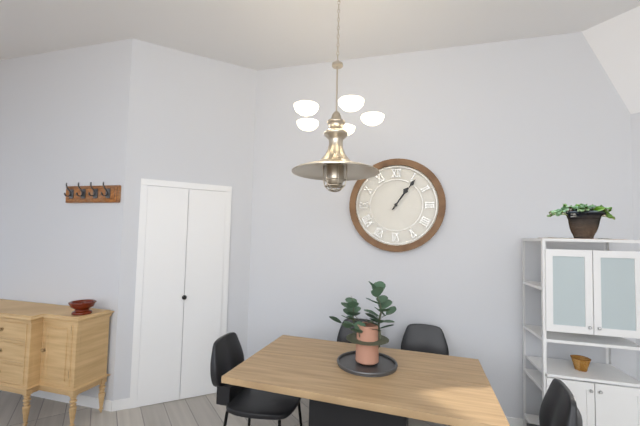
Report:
1:06
